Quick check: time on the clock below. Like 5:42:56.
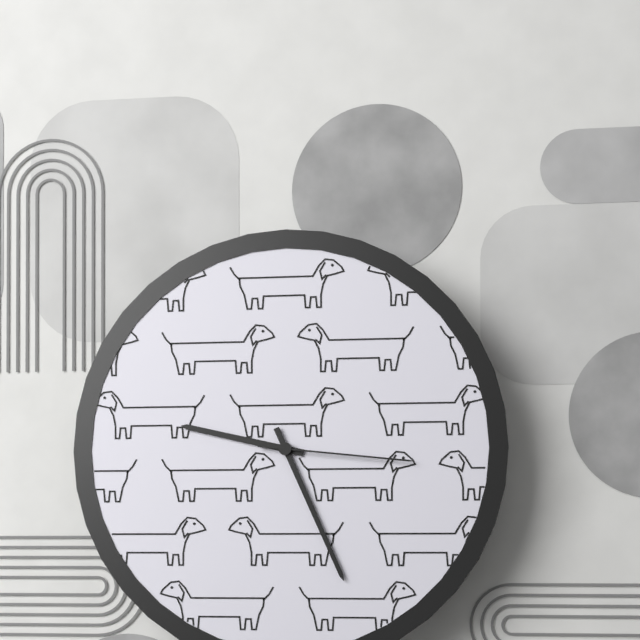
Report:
9:26:16
